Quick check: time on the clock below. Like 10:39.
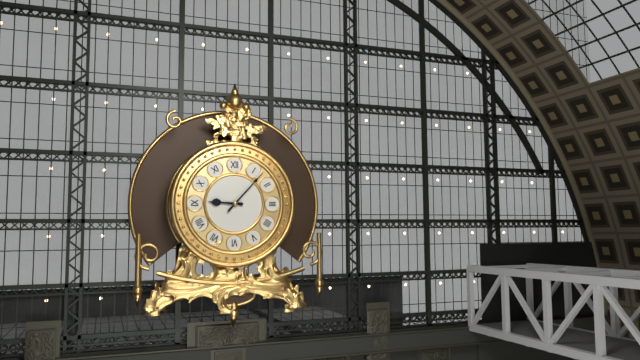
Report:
9:07
